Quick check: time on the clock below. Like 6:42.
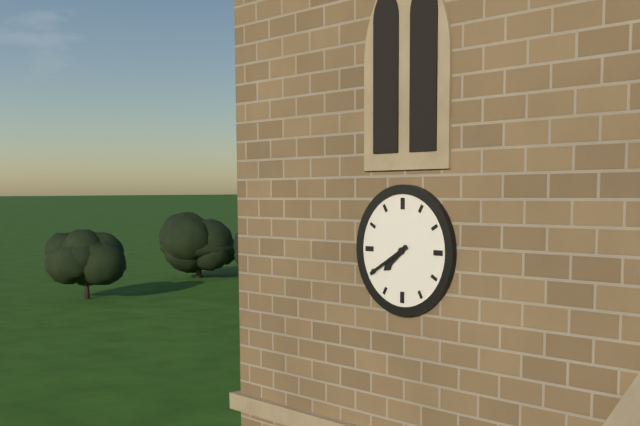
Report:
7:40
